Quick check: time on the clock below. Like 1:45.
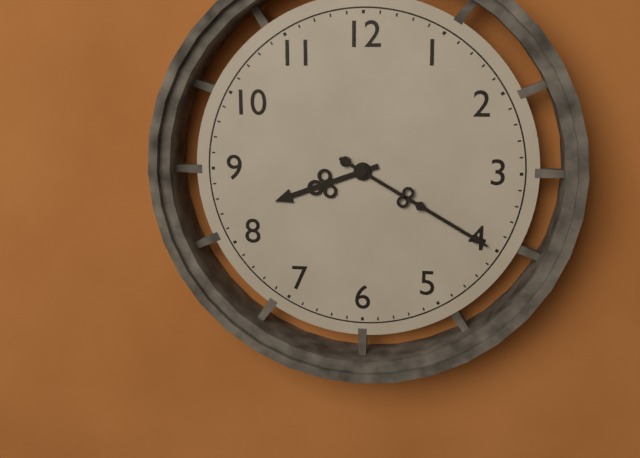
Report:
8:20
